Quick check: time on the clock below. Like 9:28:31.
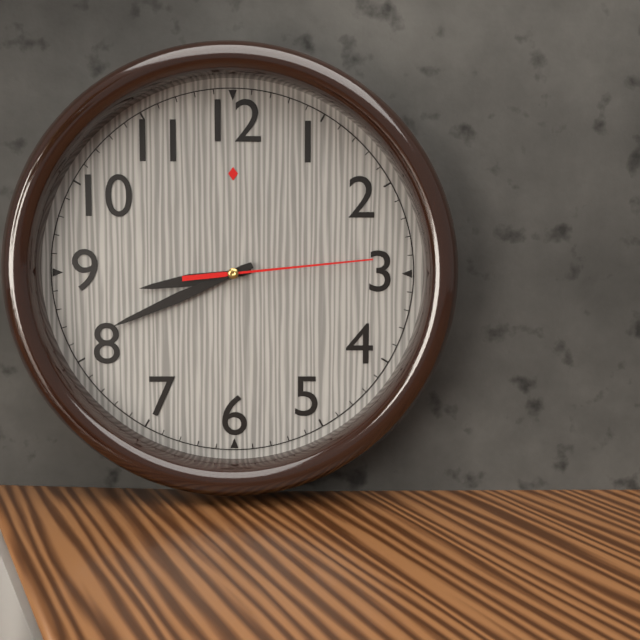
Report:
8:41:14
